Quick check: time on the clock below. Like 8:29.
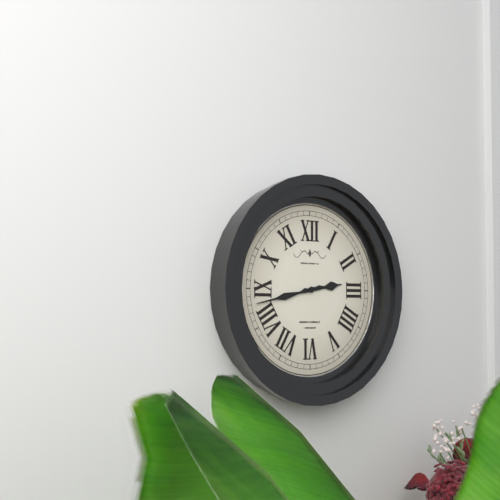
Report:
2:43
